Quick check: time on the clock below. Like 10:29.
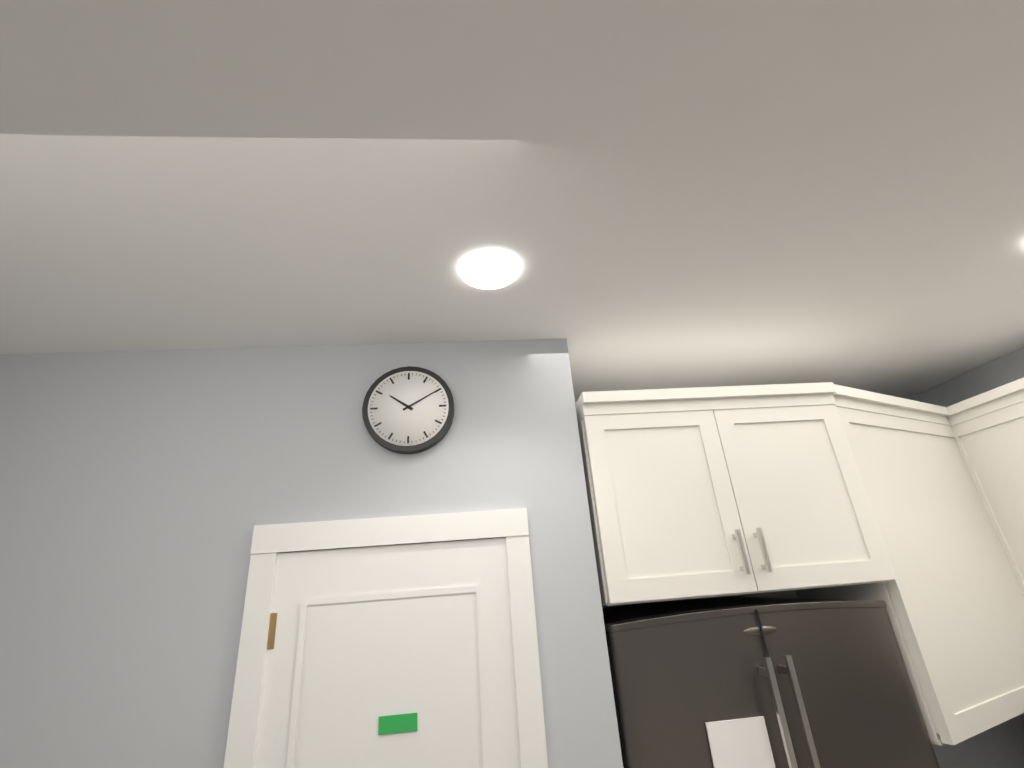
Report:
10:10
